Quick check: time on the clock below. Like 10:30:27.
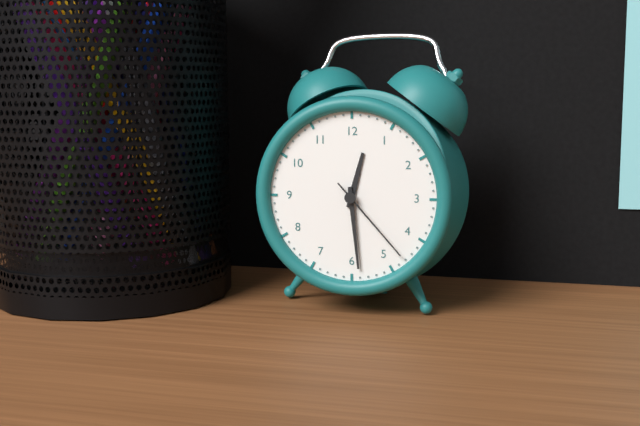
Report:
12:29:23
